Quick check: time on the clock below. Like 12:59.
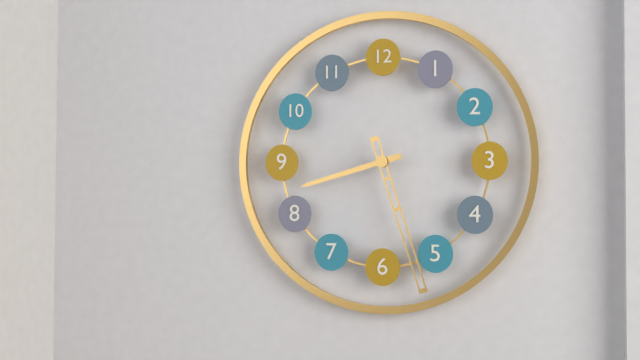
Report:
8:27
